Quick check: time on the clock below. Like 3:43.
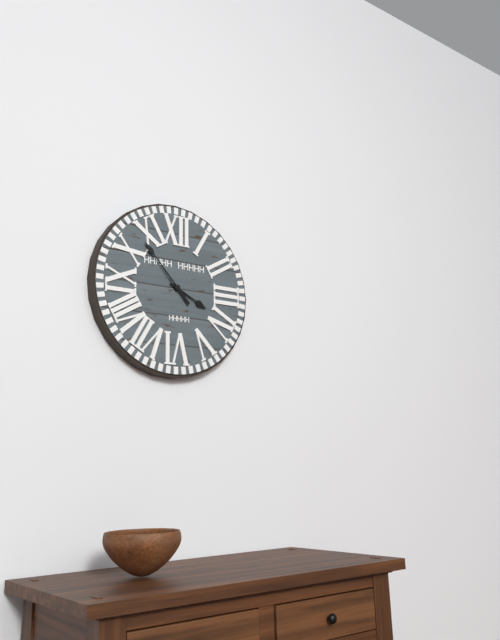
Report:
3:53
